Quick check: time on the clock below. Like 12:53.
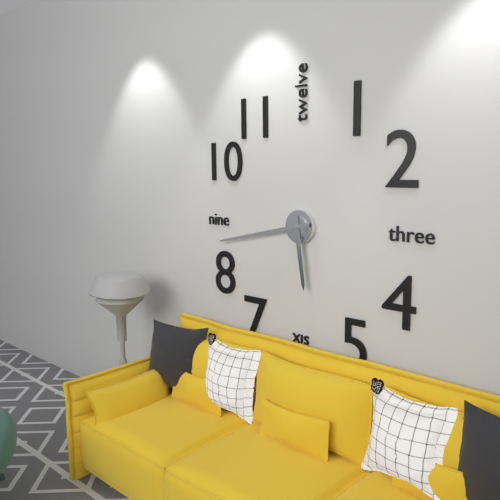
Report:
5:43
